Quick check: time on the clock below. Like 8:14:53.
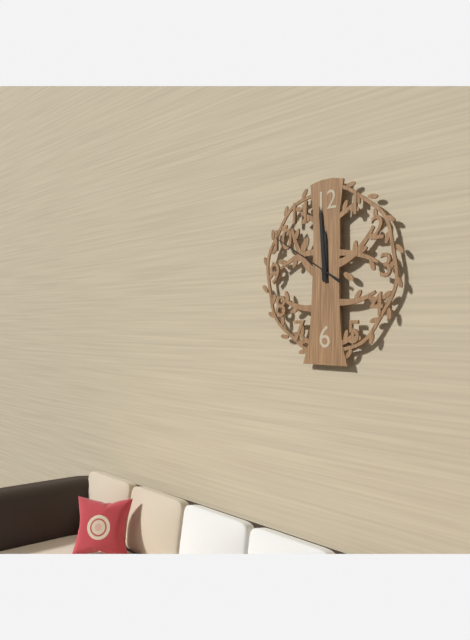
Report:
11:59:50
